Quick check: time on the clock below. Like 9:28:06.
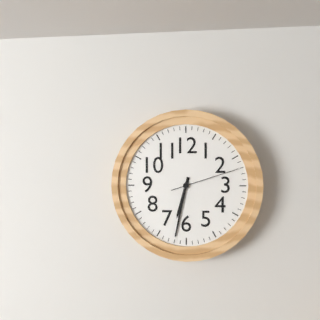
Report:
6:32:12
